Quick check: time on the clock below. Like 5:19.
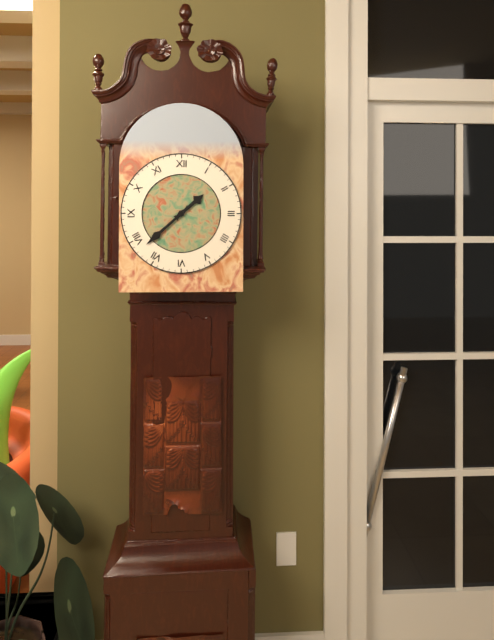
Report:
1:38
